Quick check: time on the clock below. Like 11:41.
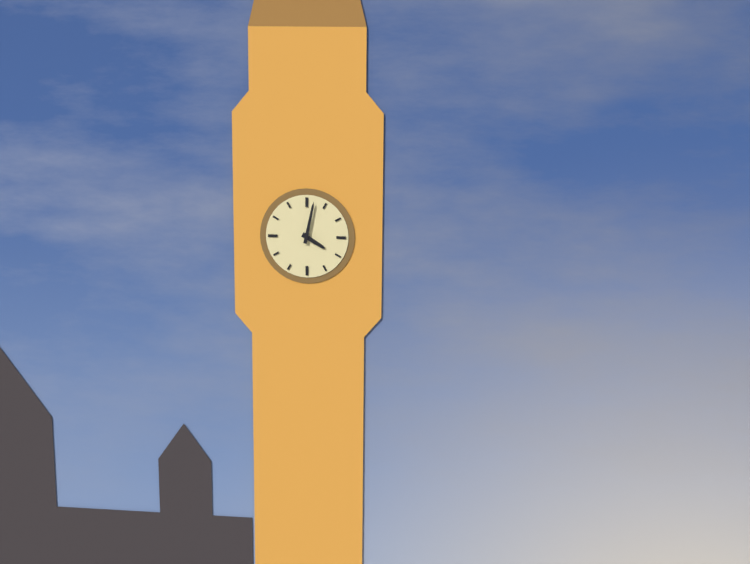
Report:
4:02
